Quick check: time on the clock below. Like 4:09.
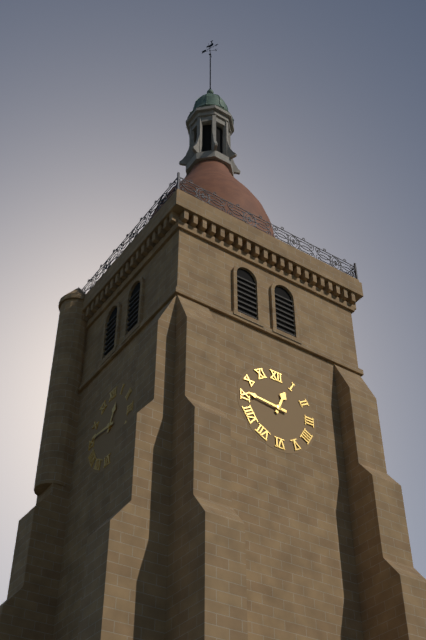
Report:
12:46
